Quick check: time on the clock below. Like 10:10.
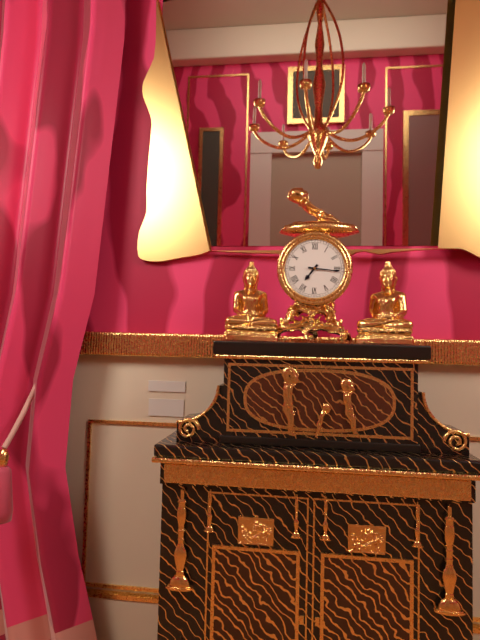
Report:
7:16
